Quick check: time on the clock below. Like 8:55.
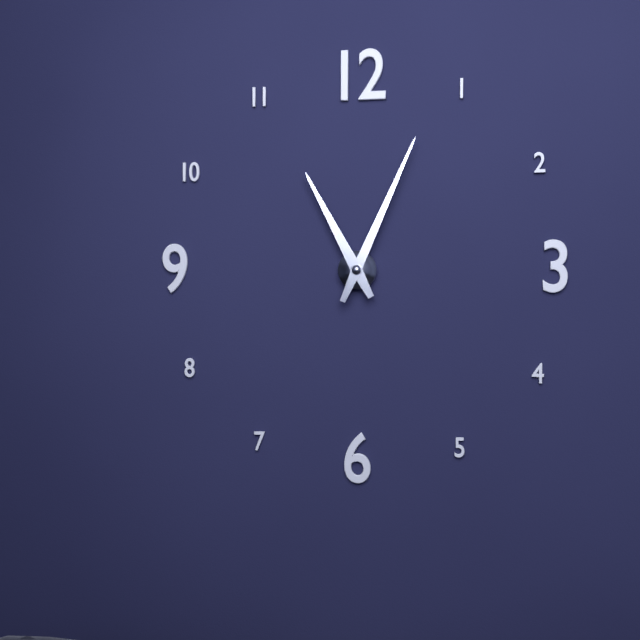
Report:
11:04
